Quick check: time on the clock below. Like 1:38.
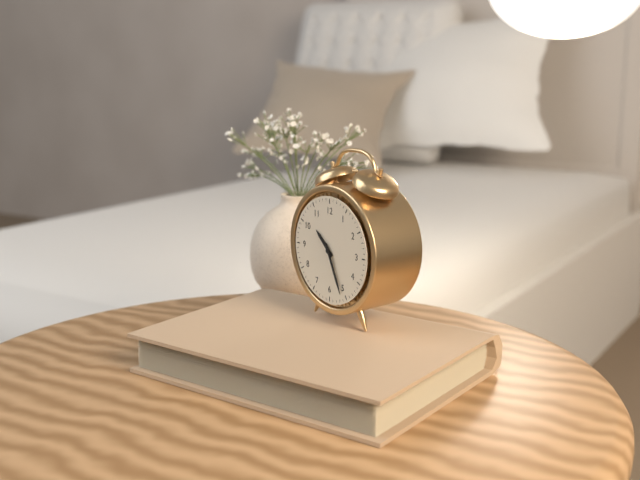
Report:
10:26
